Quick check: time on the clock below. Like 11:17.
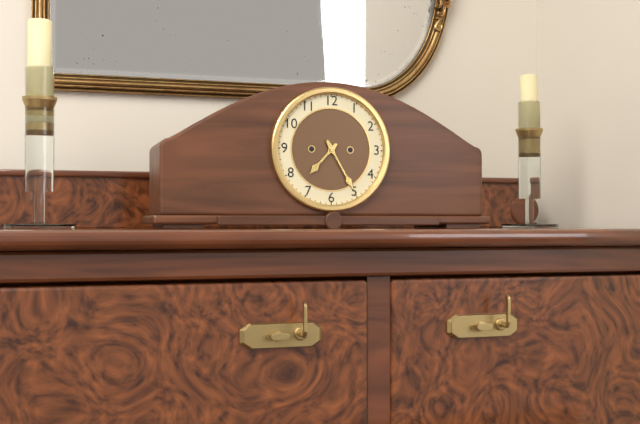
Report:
7:25
